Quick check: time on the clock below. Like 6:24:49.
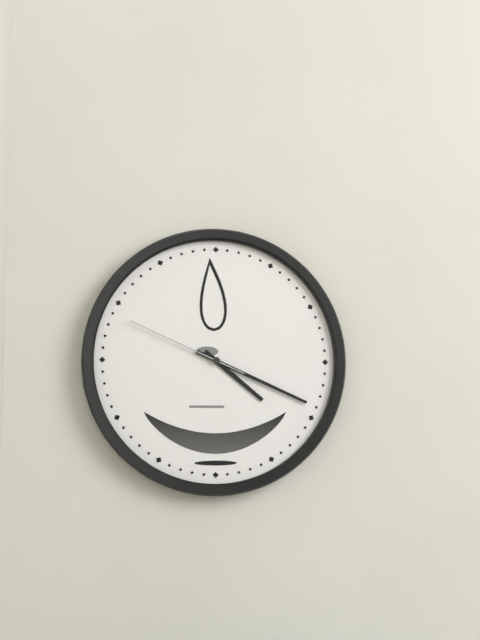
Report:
4:19:49
